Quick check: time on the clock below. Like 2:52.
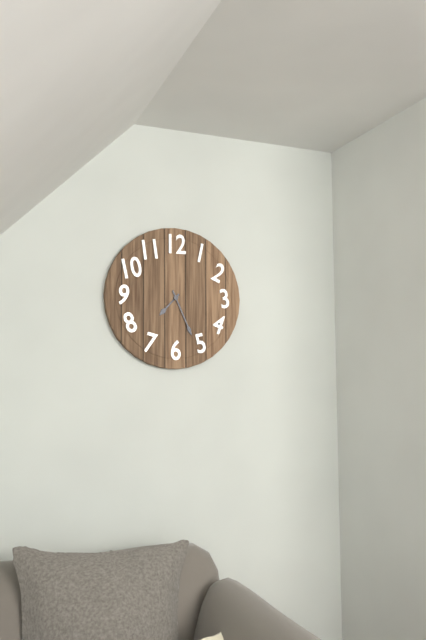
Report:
7:26
